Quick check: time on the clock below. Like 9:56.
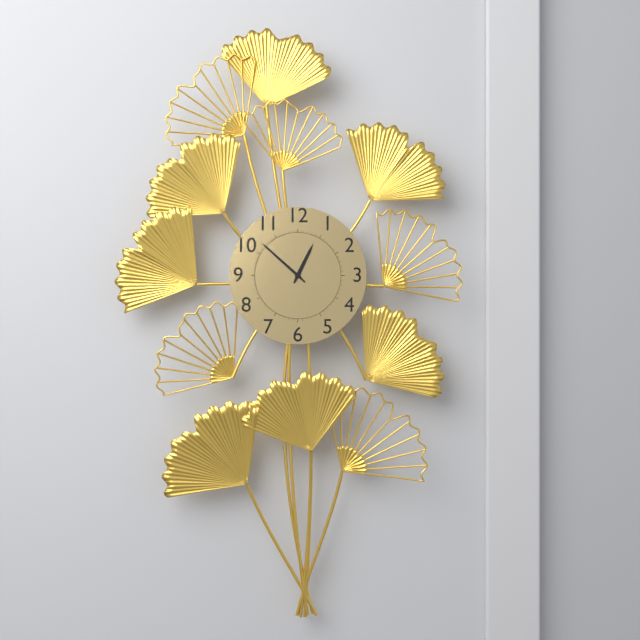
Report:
12:52
